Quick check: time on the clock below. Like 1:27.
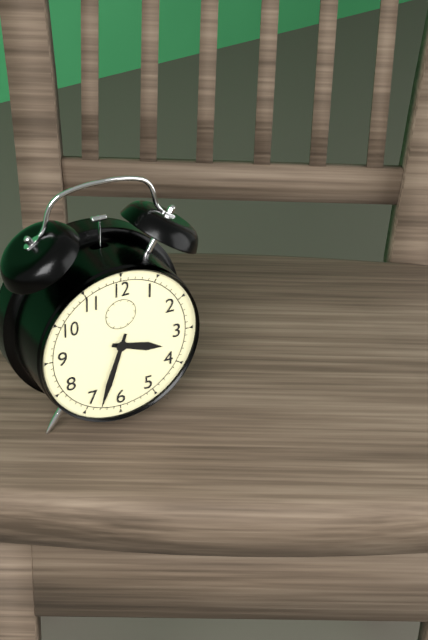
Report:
3:33
